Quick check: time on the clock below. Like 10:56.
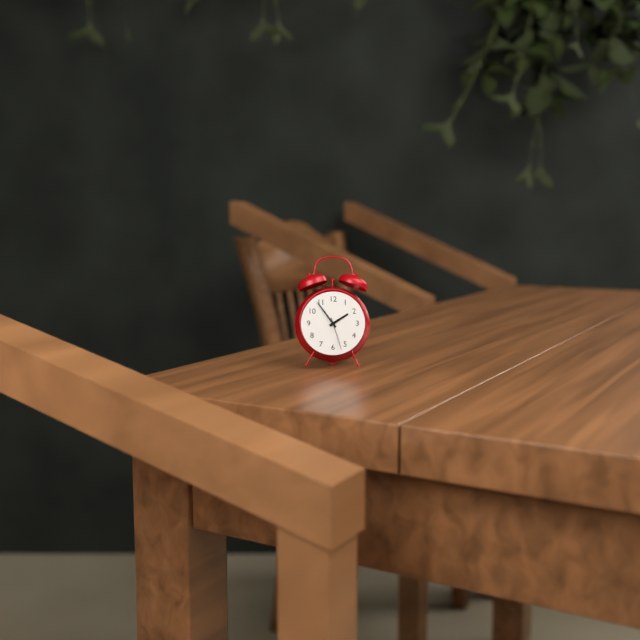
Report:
1:54
